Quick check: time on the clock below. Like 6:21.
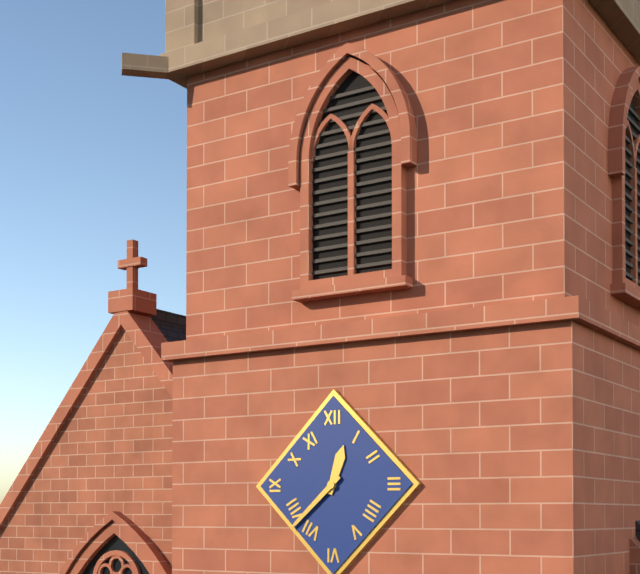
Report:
12:38
